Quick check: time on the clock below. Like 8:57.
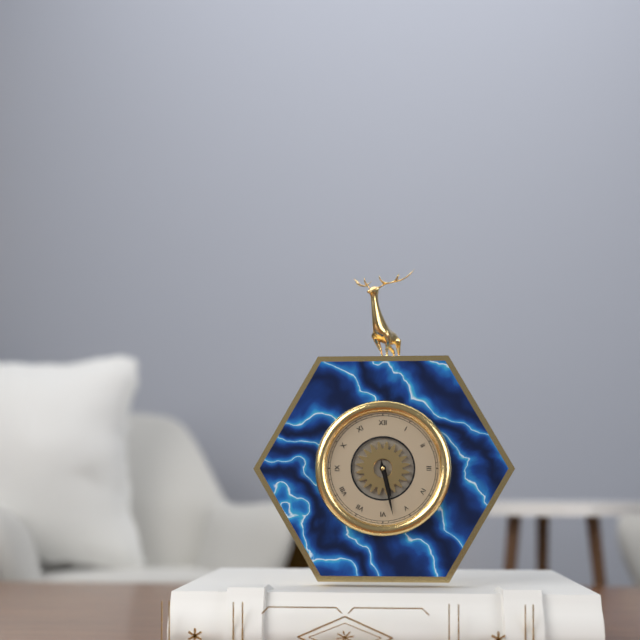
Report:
5:28
